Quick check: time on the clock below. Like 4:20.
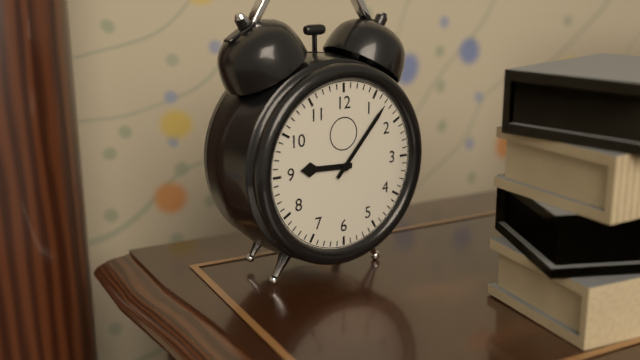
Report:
9:07
